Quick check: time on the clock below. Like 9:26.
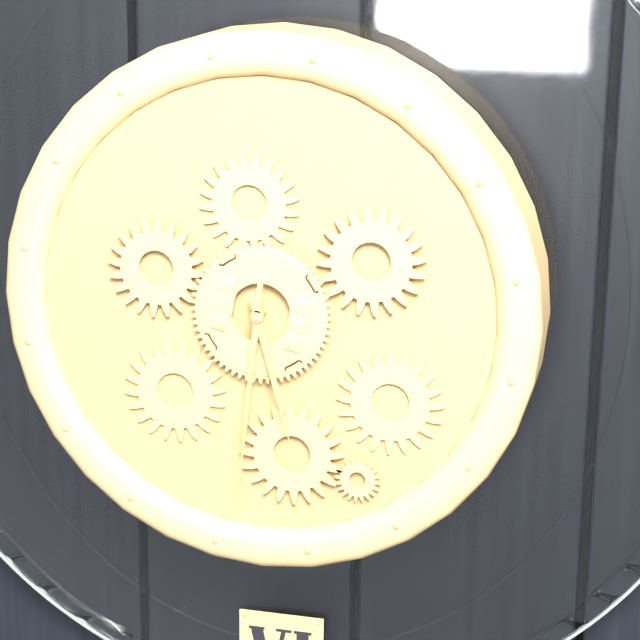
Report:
5:31
